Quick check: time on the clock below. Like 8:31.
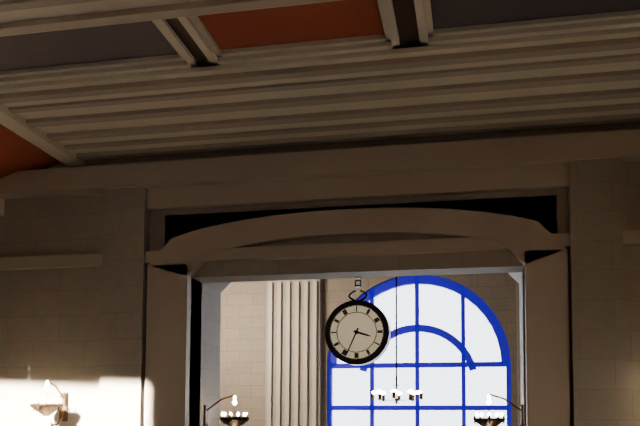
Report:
3:34
